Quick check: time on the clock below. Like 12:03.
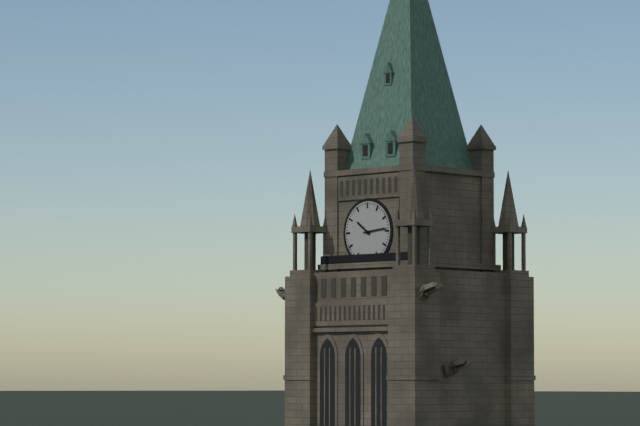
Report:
10:14
